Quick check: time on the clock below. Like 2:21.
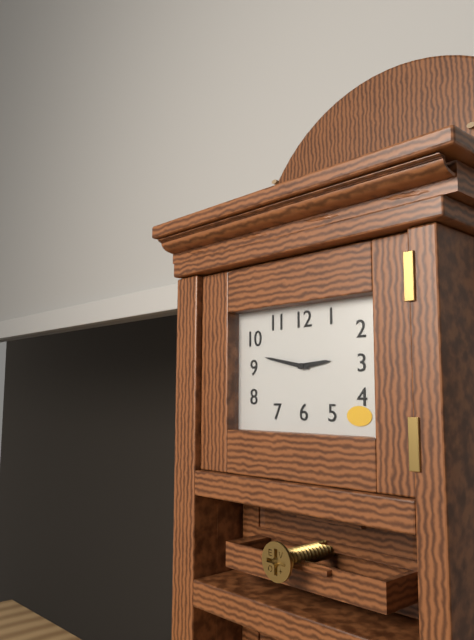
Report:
2:47
